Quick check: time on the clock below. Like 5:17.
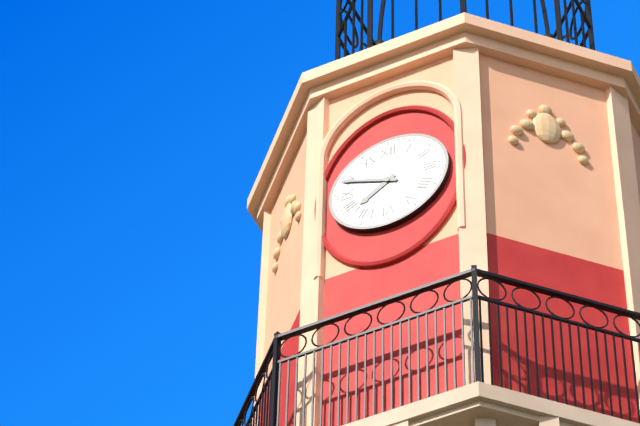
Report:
7:49
